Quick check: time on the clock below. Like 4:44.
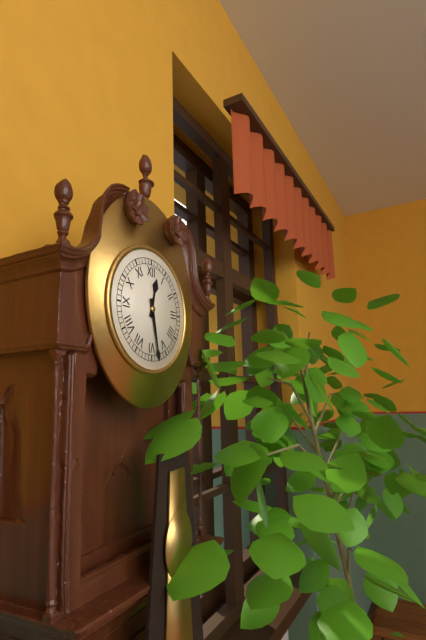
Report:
12:28
